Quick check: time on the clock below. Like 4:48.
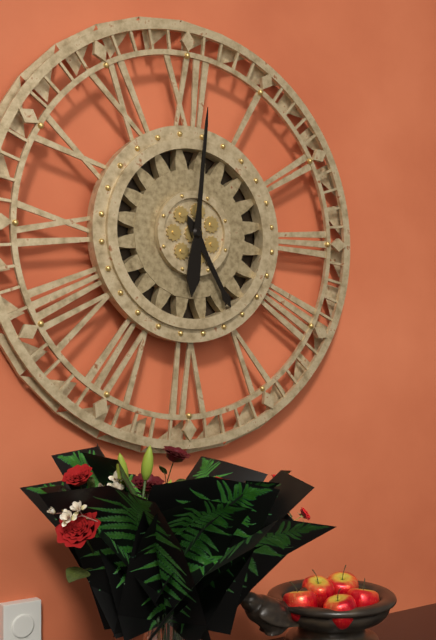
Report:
5:01
